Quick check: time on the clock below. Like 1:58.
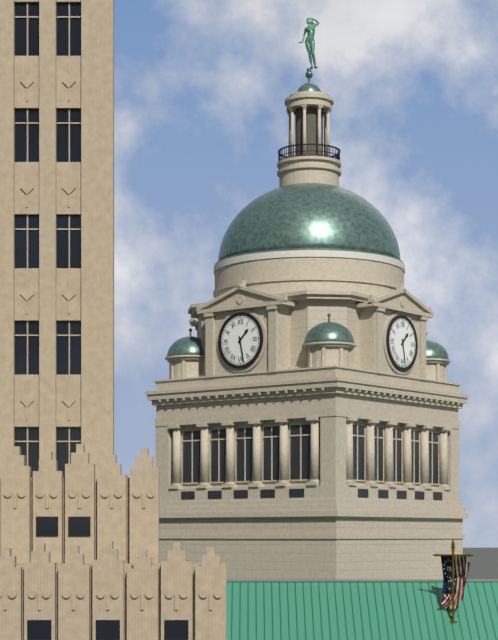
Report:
1:28
